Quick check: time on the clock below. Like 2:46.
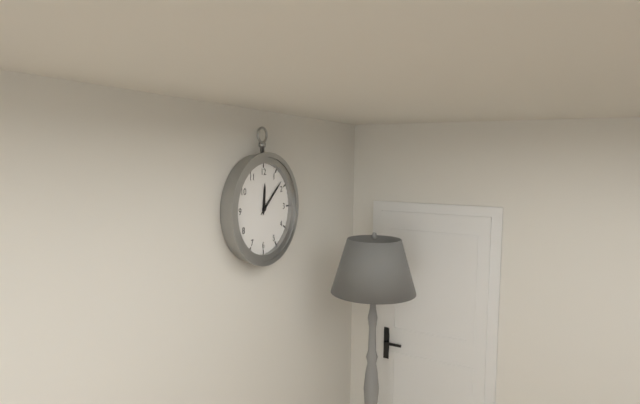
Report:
12:08
